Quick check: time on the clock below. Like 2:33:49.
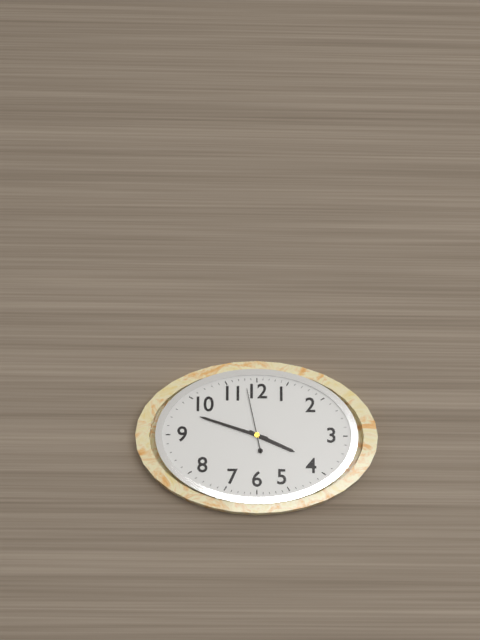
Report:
3:48:58
